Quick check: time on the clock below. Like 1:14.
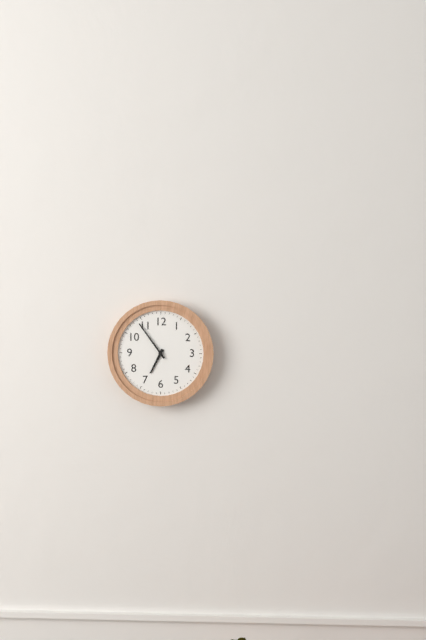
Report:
6:54
